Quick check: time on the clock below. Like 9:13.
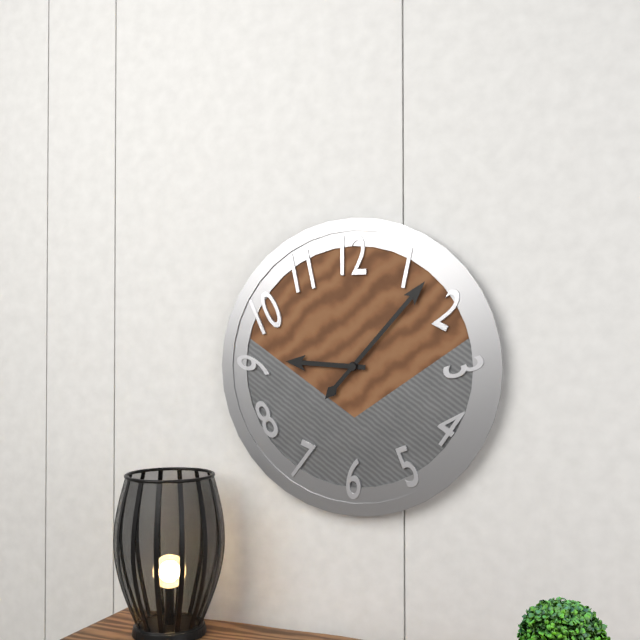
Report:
9:07
